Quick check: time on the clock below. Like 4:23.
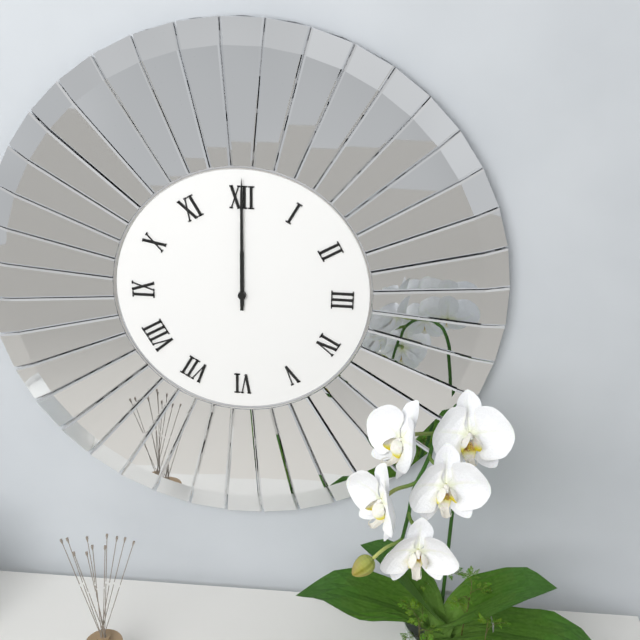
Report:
12:00
